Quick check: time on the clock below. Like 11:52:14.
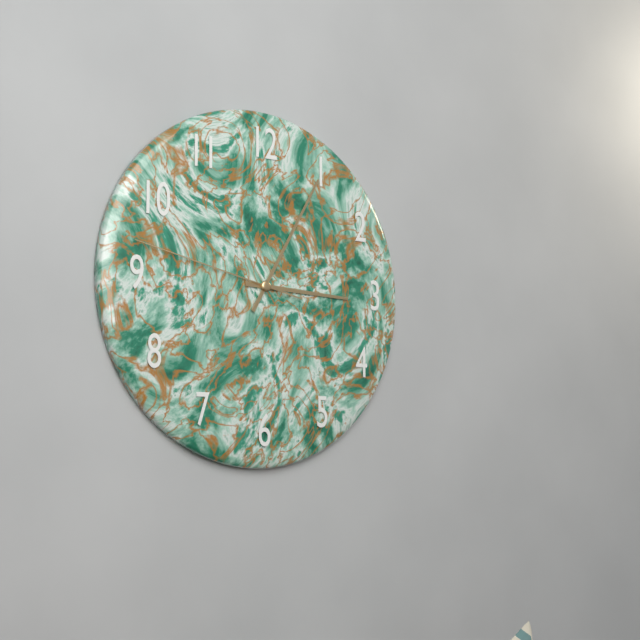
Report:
3:05:47
